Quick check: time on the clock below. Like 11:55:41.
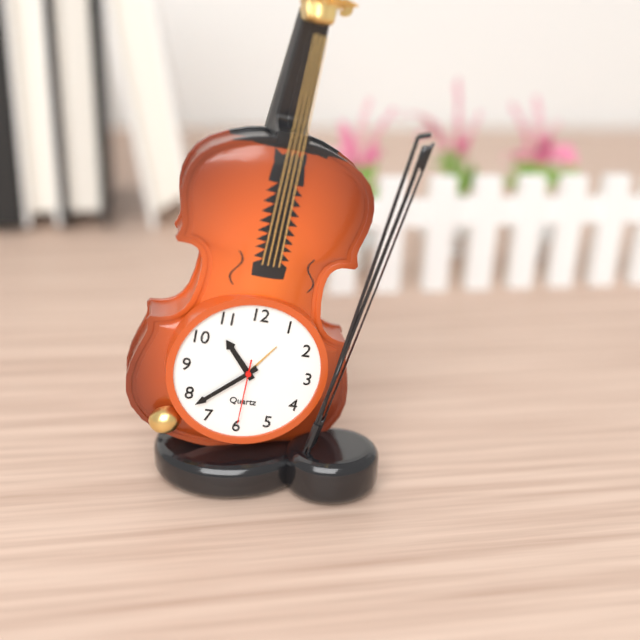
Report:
10:38:30
